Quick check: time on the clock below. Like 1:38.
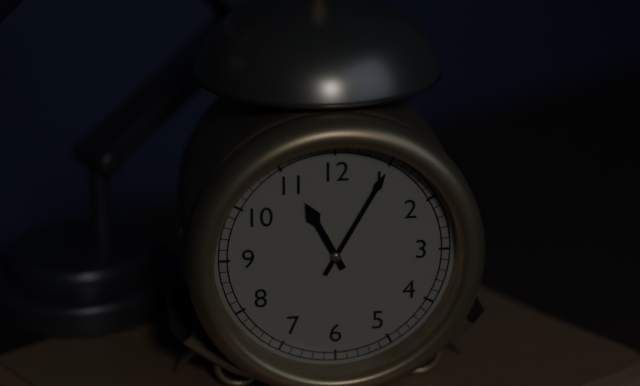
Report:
11:05
